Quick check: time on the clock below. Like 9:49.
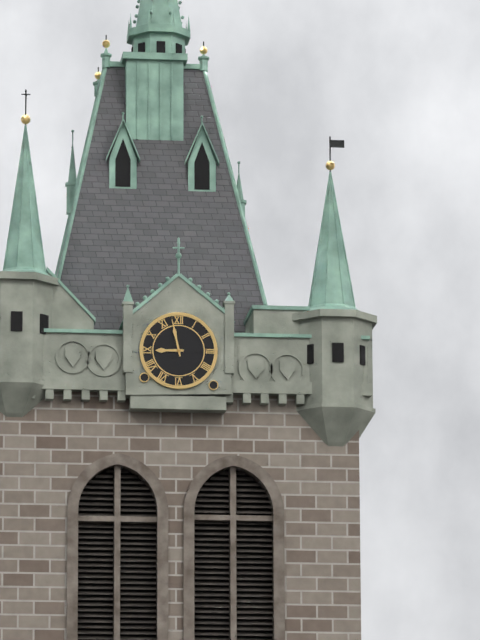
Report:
8:58
